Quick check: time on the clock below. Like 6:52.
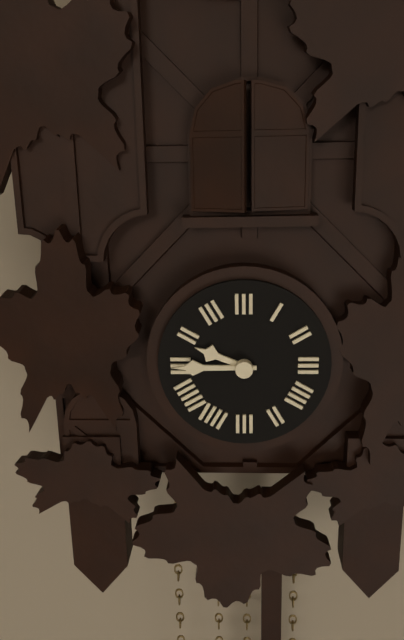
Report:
9:45
